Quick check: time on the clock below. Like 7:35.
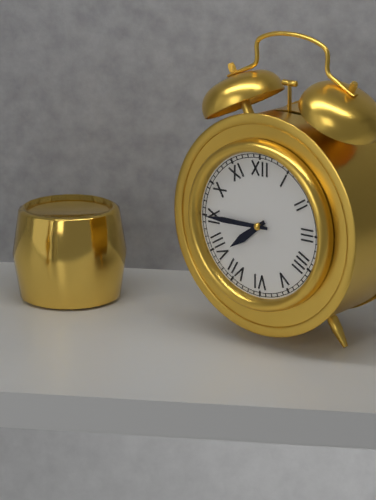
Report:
7:45
